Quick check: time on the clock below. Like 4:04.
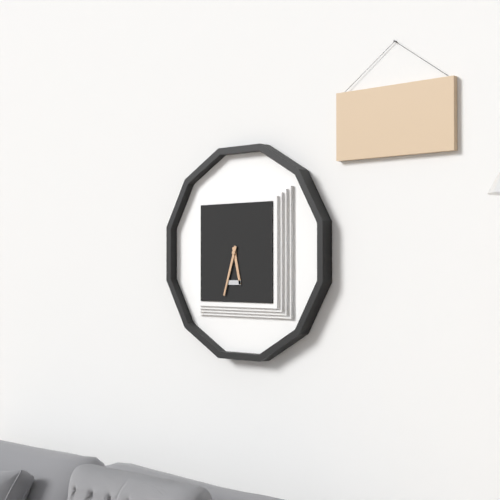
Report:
5:33
